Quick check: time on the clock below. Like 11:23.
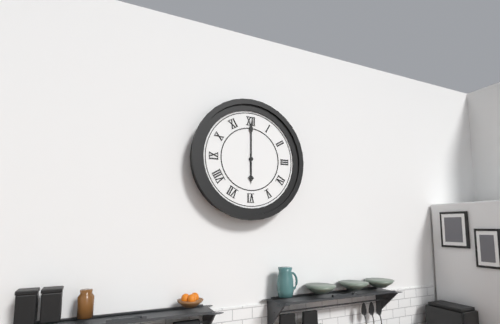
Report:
6:00
